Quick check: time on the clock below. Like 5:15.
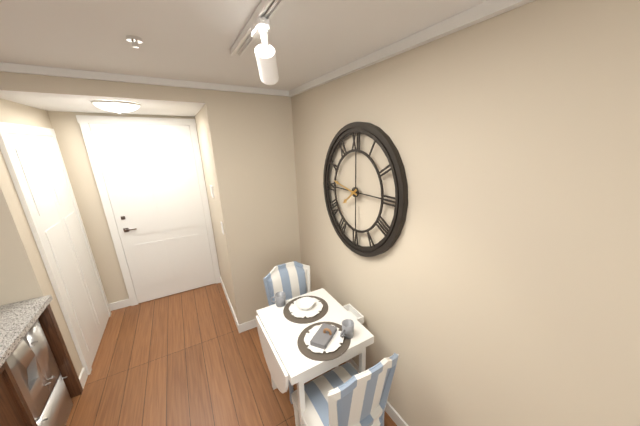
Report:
7:47
